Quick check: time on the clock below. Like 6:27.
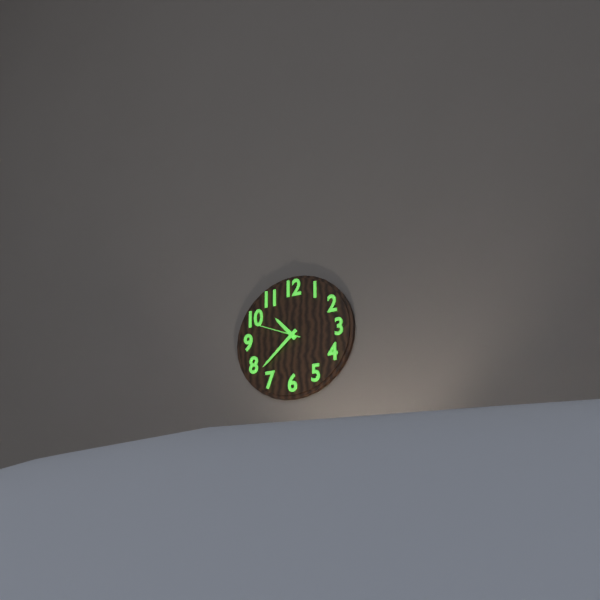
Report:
10:38
